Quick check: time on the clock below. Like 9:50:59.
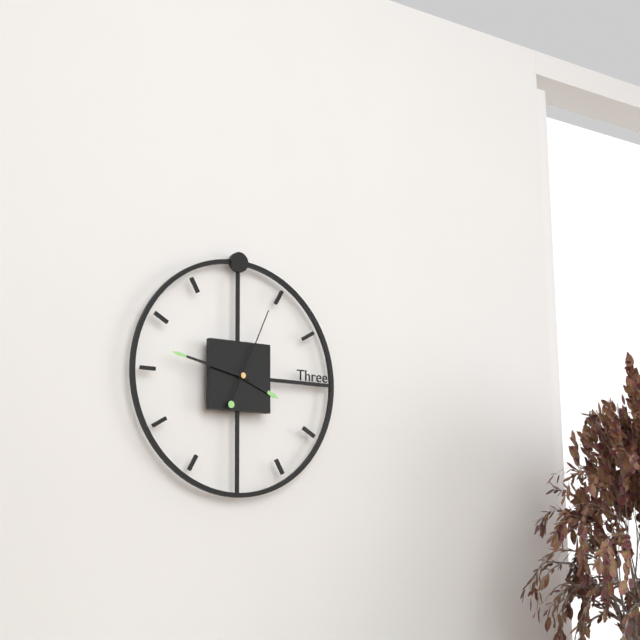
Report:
3:47:04
